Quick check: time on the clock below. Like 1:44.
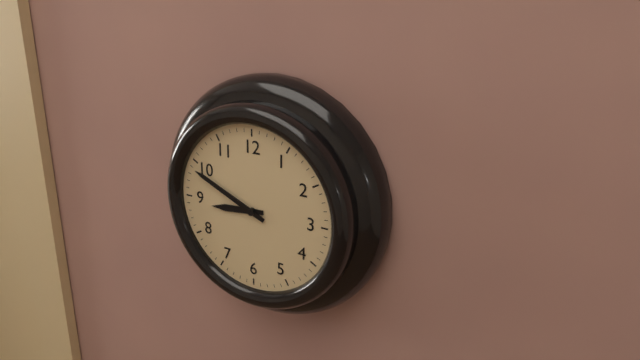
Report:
8:49
